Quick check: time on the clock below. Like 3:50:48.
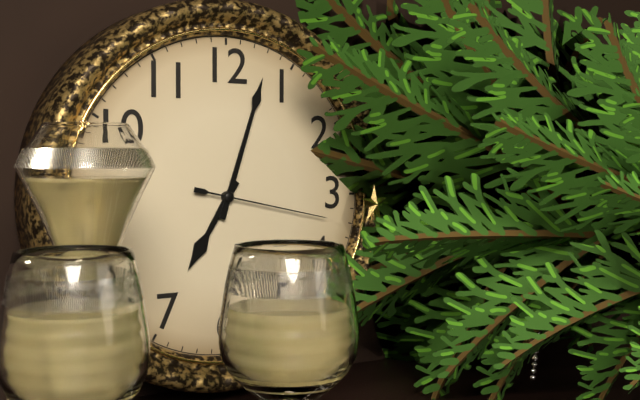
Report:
7:03:17
